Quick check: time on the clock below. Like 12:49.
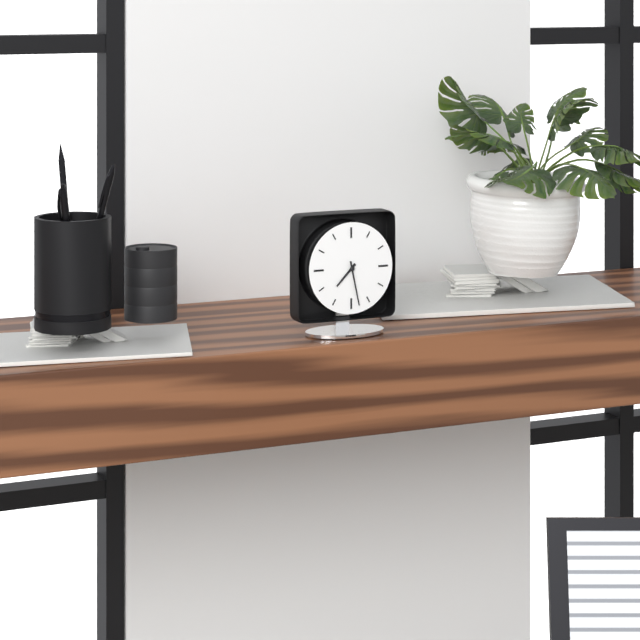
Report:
7:28
